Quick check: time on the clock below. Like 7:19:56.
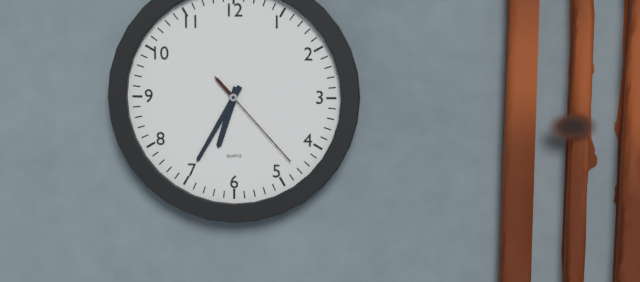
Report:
6:35:23
